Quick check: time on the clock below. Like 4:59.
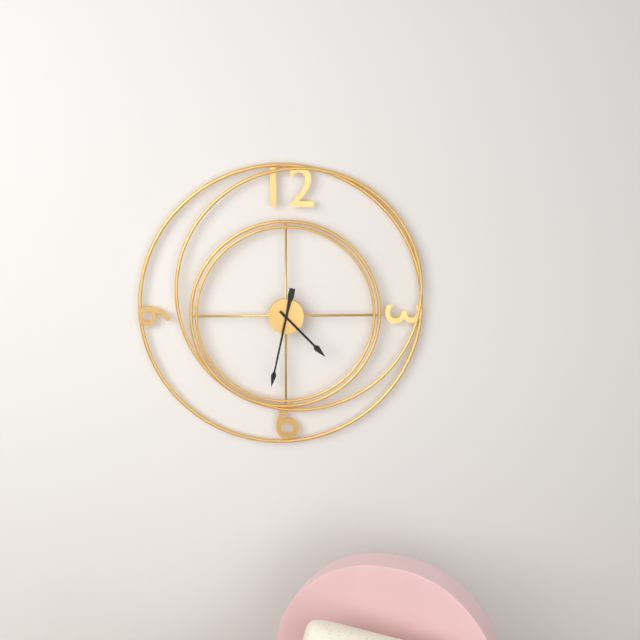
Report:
4:32
